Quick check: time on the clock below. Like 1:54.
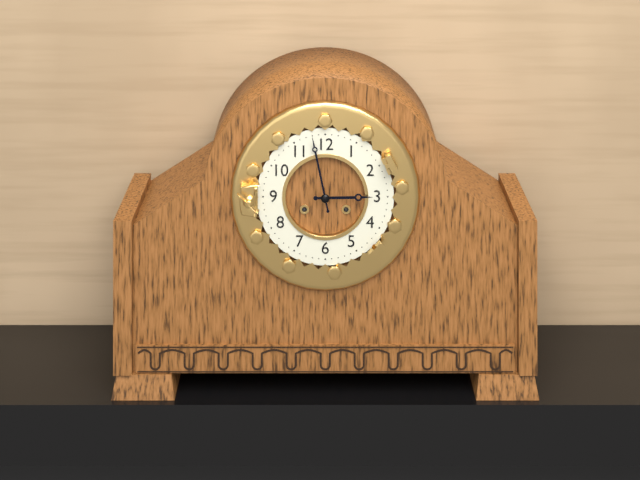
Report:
2:58
